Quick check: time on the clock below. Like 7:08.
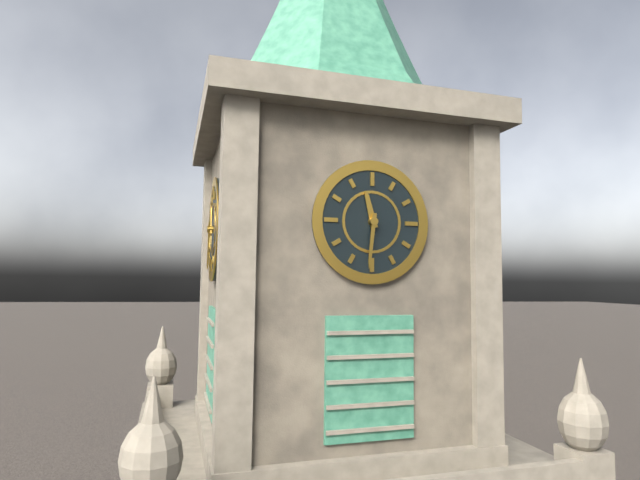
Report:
11:31
